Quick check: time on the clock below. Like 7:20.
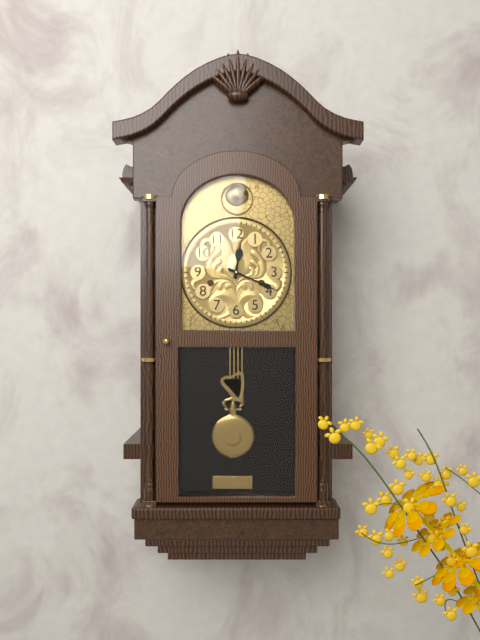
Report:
12:19
